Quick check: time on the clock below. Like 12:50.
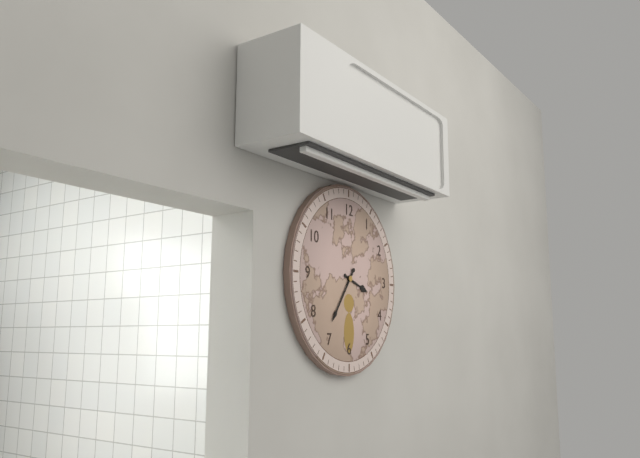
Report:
3:36
